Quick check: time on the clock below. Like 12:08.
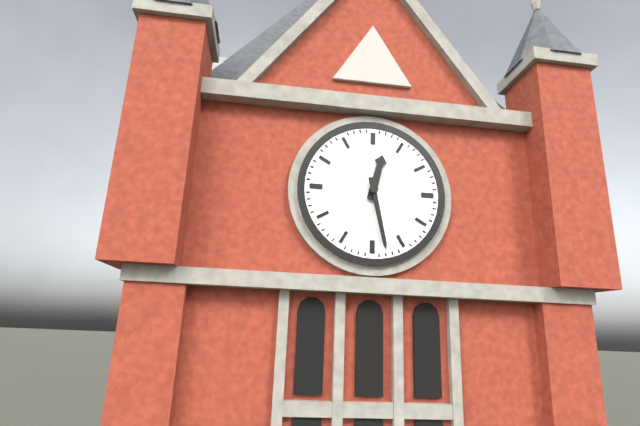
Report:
12:28
